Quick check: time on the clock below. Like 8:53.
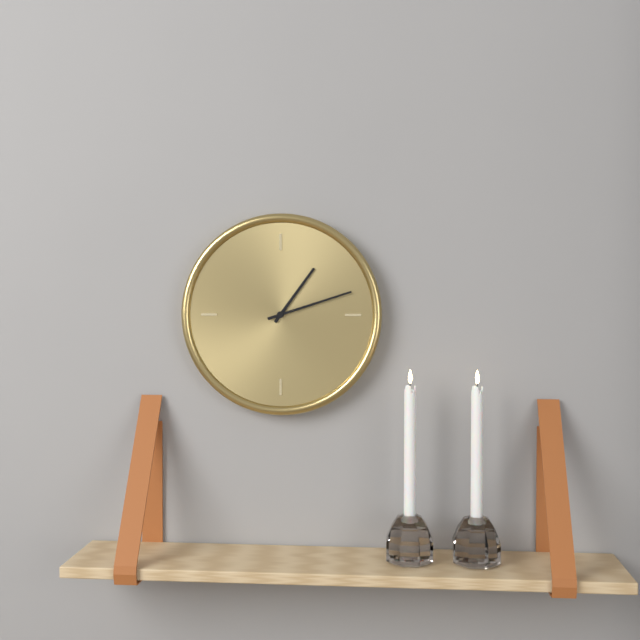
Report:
1:12
